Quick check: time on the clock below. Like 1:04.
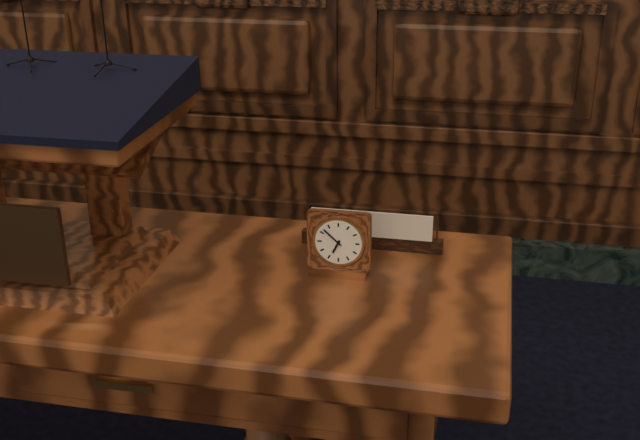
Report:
6:52
